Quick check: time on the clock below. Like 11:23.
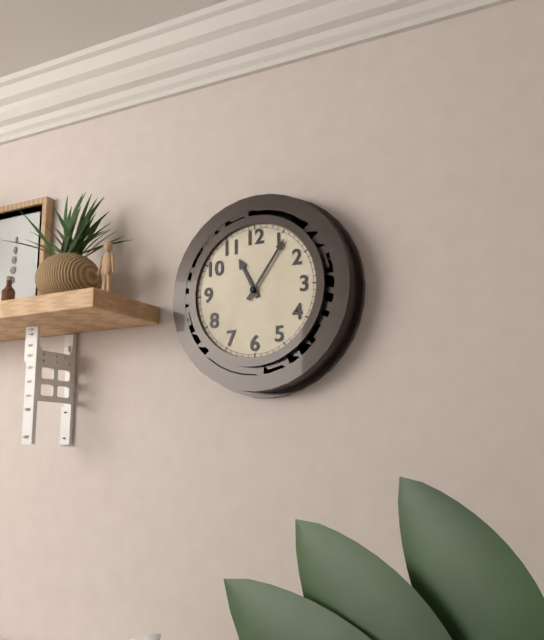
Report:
11:06
